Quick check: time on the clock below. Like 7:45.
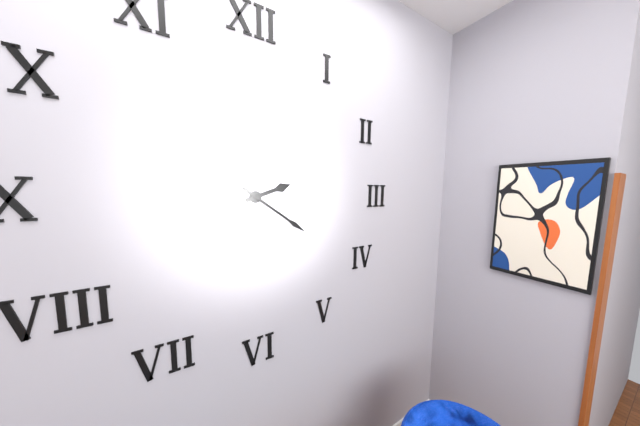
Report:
2:21
